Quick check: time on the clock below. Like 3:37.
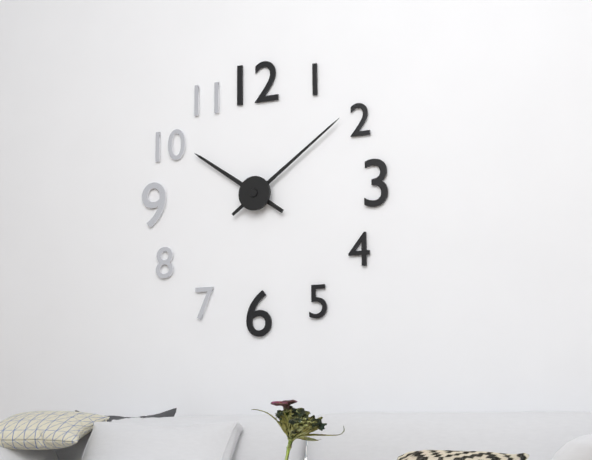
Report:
10:09
